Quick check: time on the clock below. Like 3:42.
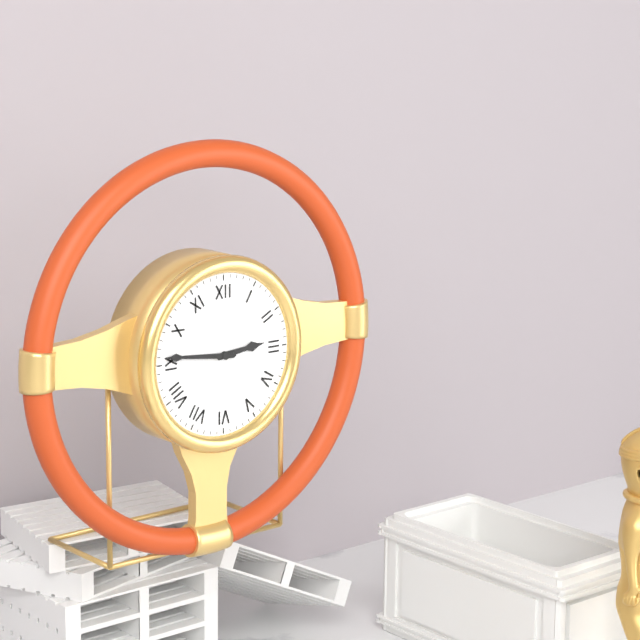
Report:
2:46
